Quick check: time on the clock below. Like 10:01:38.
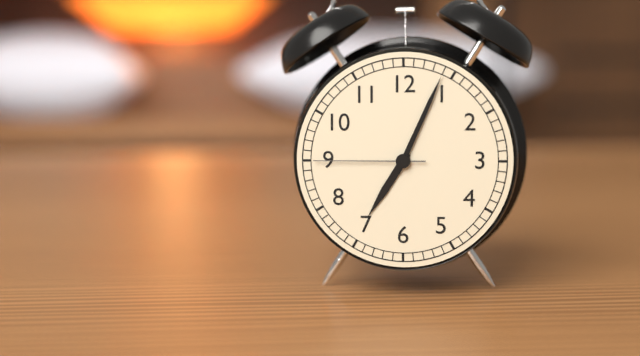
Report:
7:04:45
